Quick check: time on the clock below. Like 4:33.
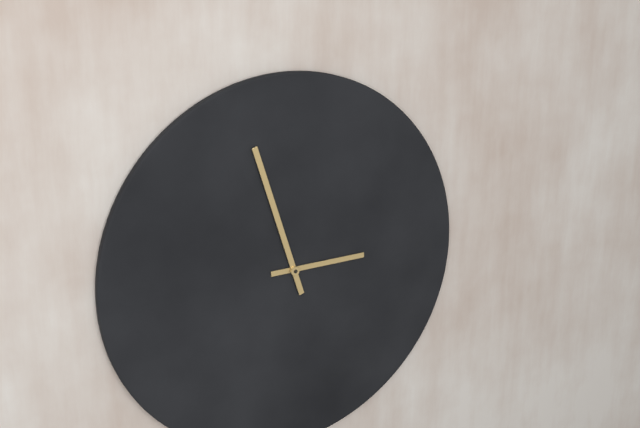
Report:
2:57
